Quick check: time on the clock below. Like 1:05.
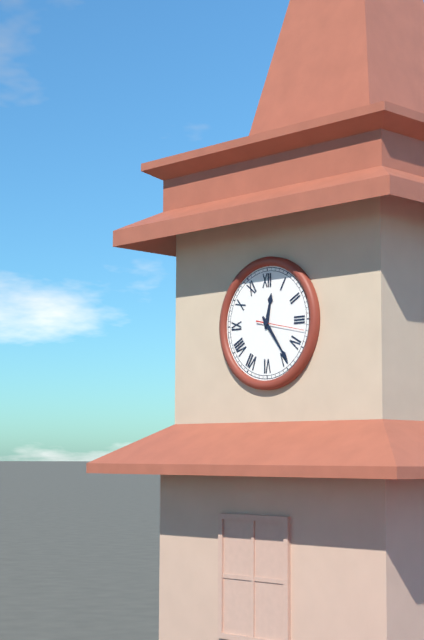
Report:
12:24
